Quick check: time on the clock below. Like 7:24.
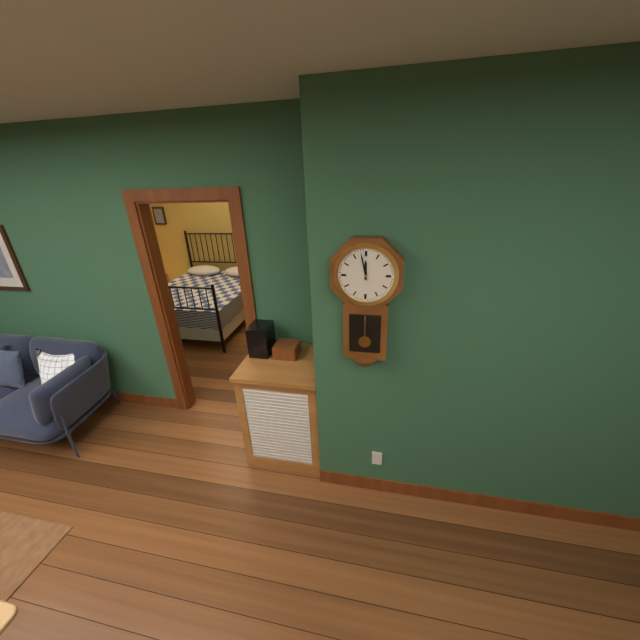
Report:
11:58
